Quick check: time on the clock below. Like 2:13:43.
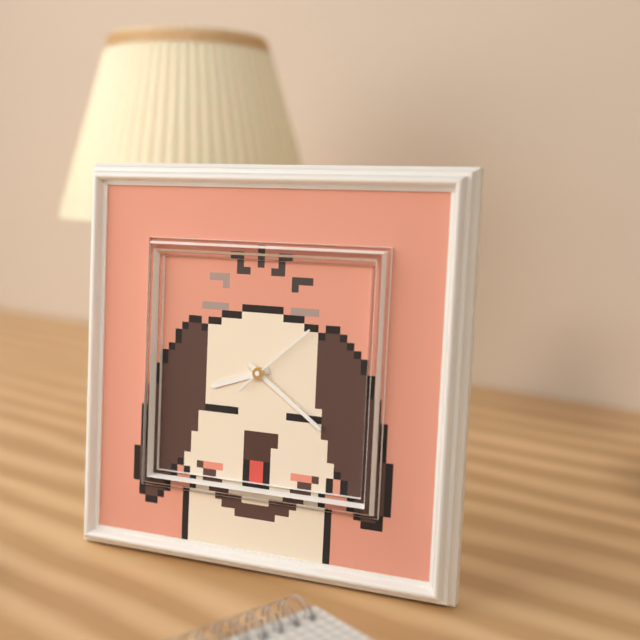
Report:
8:21:08
